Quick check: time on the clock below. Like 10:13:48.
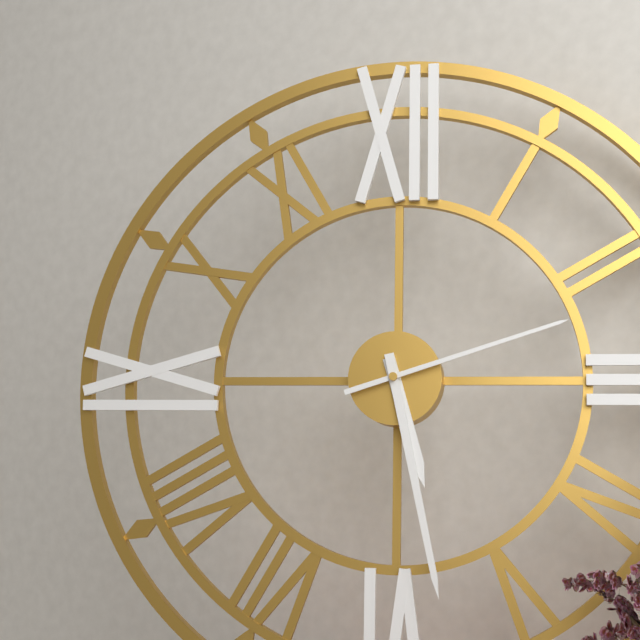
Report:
5:28:12
